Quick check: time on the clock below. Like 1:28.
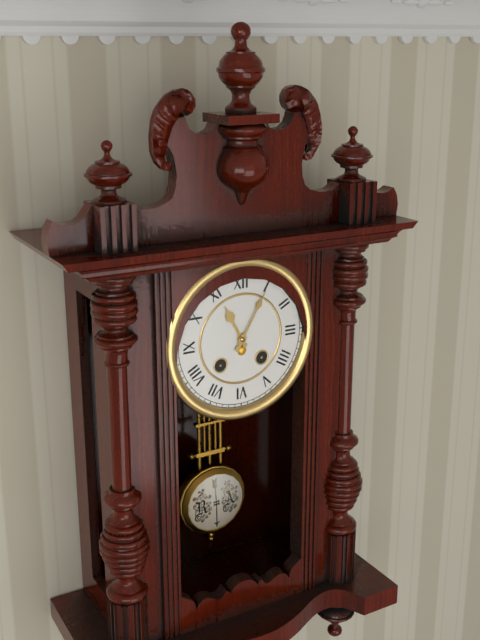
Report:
11:05
